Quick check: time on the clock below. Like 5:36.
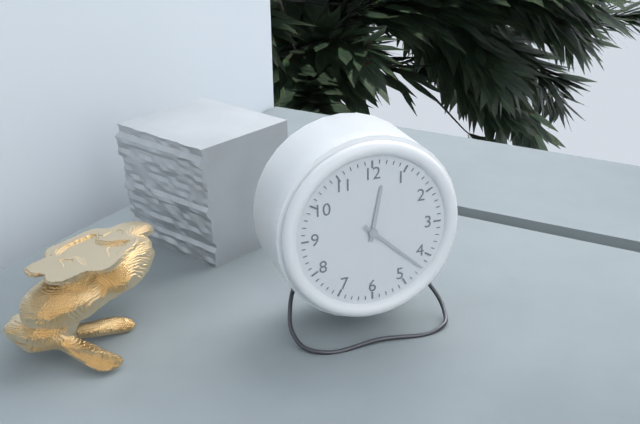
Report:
12:22
